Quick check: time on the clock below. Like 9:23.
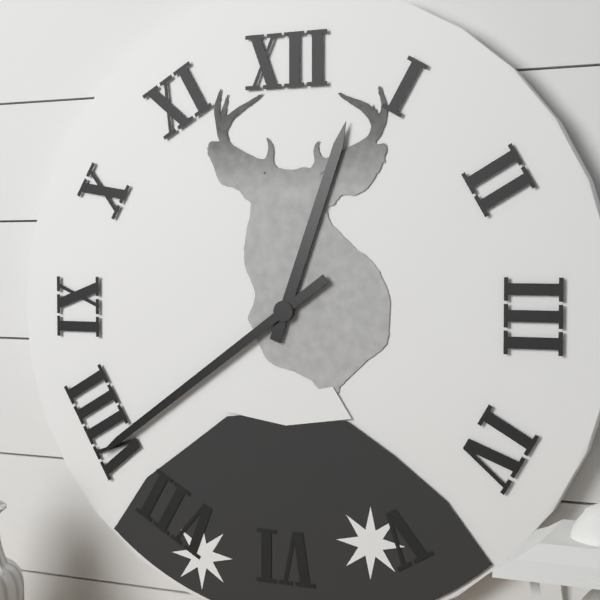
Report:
12:39
